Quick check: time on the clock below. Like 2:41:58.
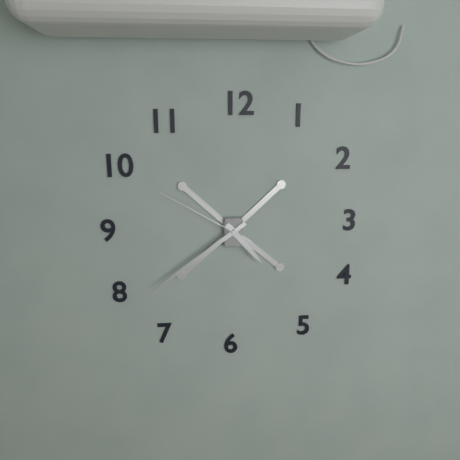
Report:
4:39:50
